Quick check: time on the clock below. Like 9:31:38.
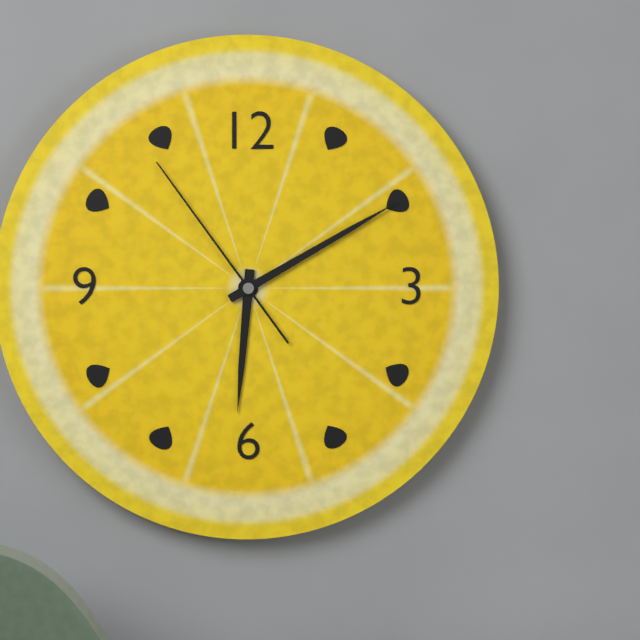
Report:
6:10:54
